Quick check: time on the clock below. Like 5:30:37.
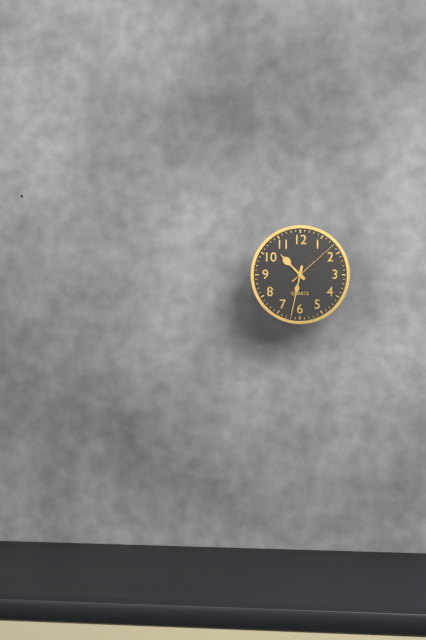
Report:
10:32:08
